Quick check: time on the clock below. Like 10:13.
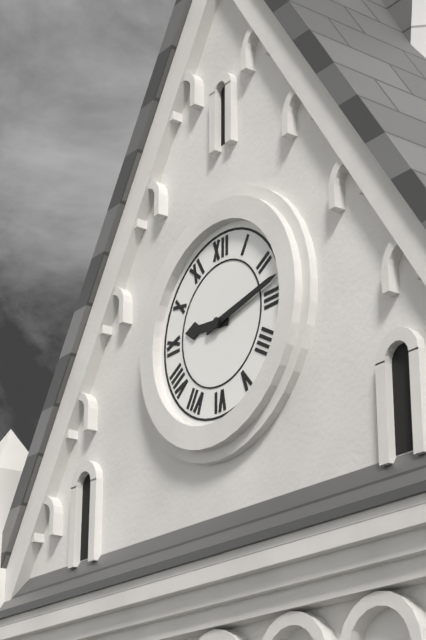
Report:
9:13
